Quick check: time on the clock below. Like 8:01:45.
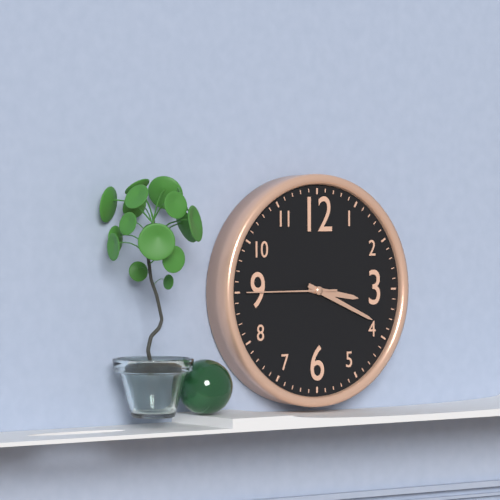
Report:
3:19:45
